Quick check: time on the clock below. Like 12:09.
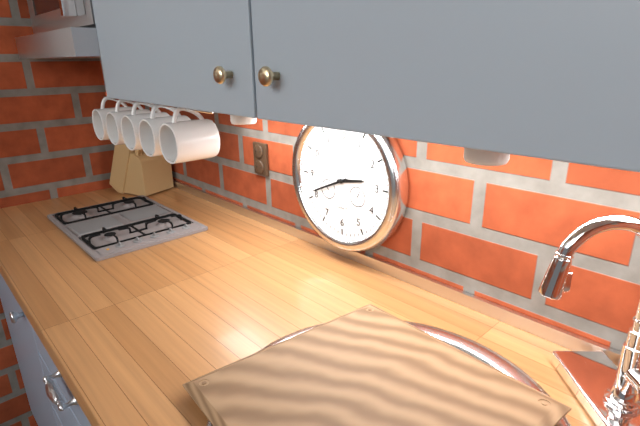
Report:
2:41
